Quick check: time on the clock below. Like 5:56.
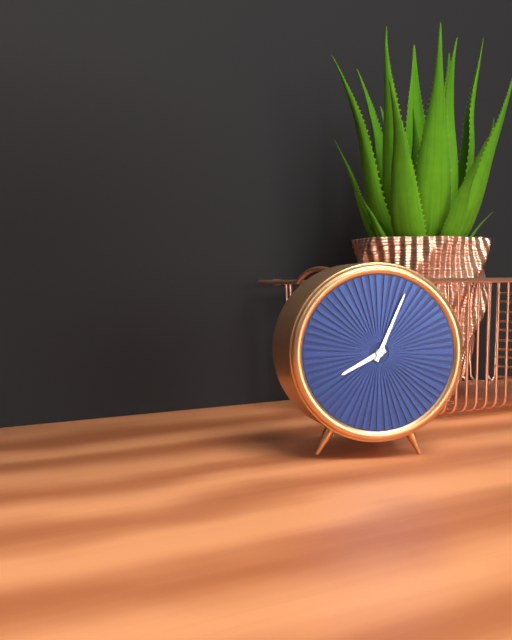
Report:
8:04
